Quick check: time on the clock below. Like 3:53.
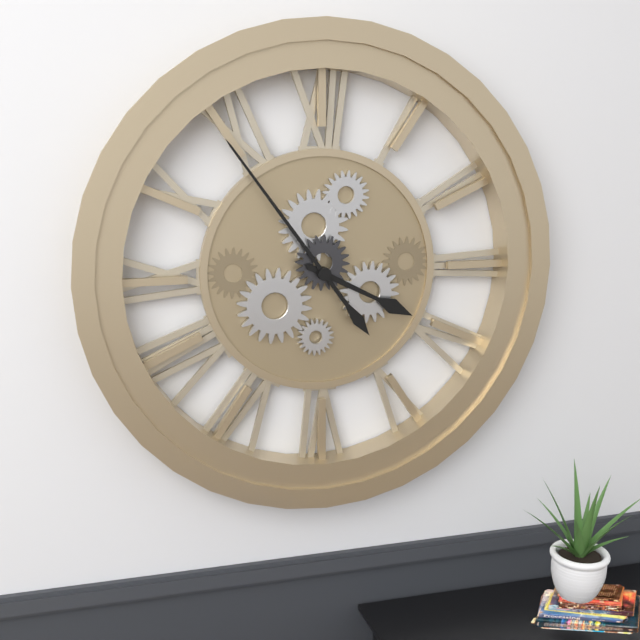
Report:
3:54
